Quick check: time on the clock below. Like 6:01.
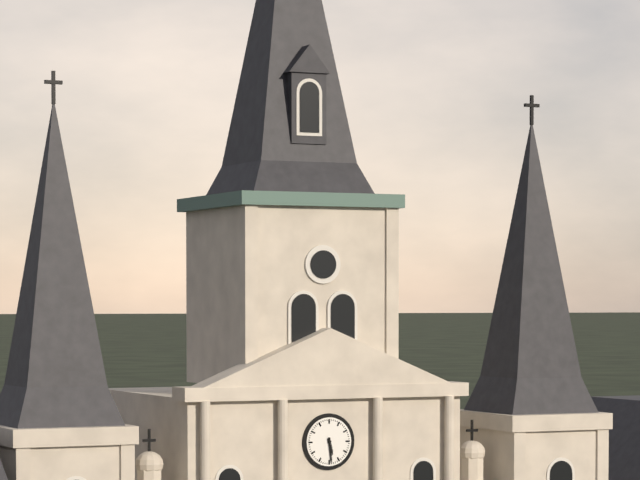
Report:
5:29
